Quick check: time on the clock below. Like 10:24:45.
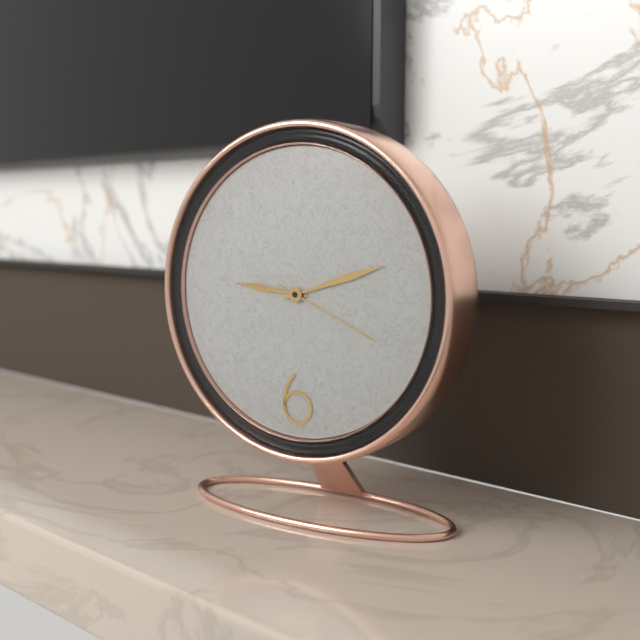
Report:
9:12:19
